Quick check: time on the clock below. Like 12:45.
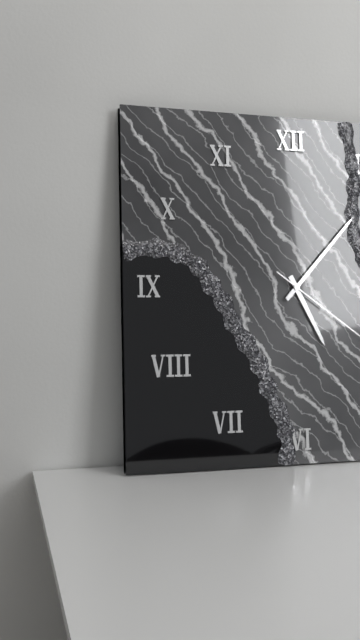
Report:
5:07
